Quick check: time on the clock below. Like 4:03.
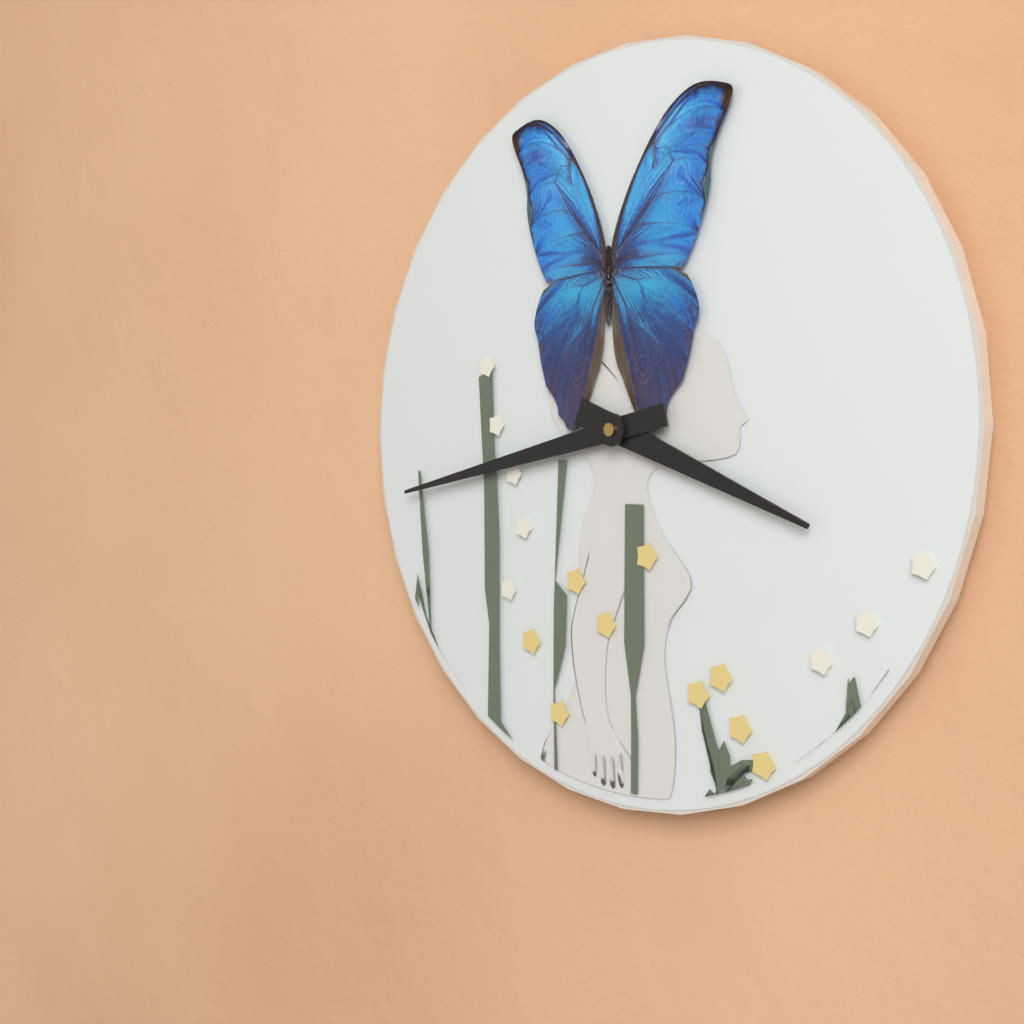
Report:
3:43
